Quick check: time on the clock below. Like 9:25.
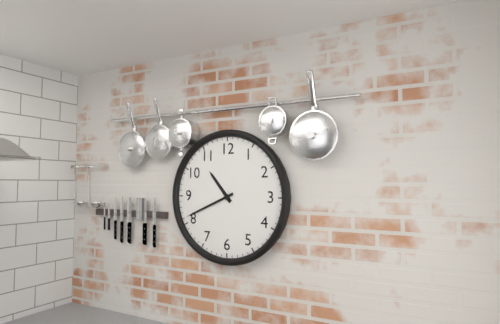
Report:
10:41
